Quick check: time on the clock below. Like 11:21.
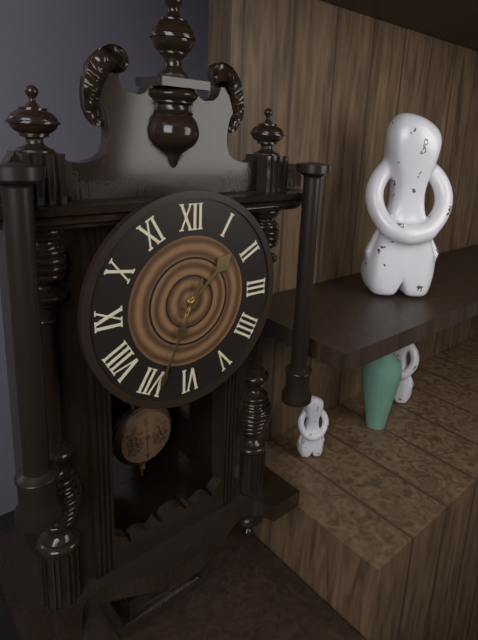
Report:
1:34
